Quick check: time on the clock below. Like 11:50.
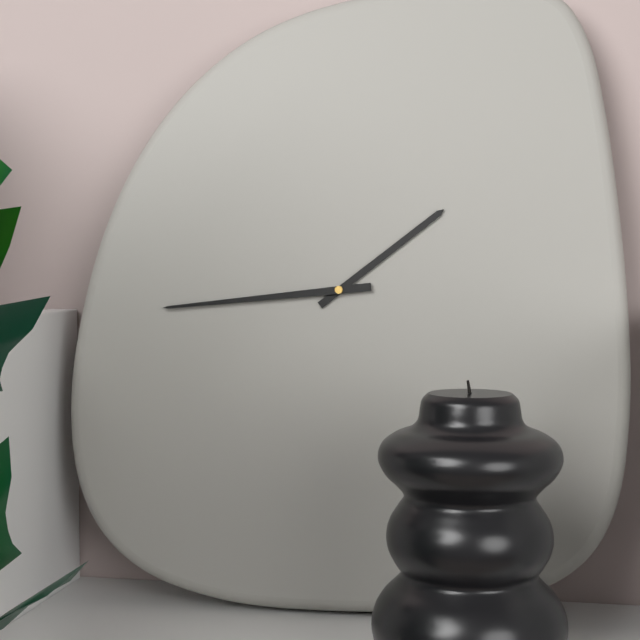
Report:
1:44
